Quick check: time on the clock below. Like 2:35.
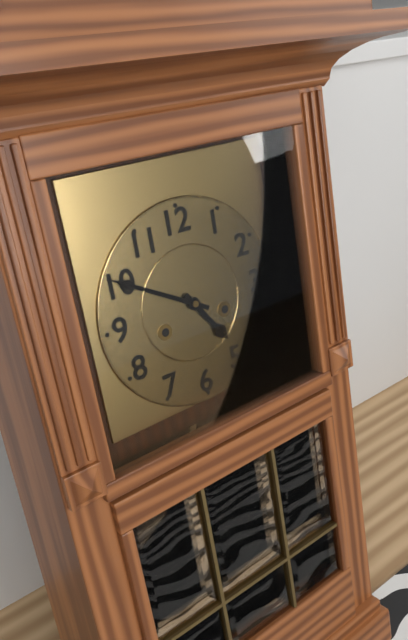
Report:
4:50
